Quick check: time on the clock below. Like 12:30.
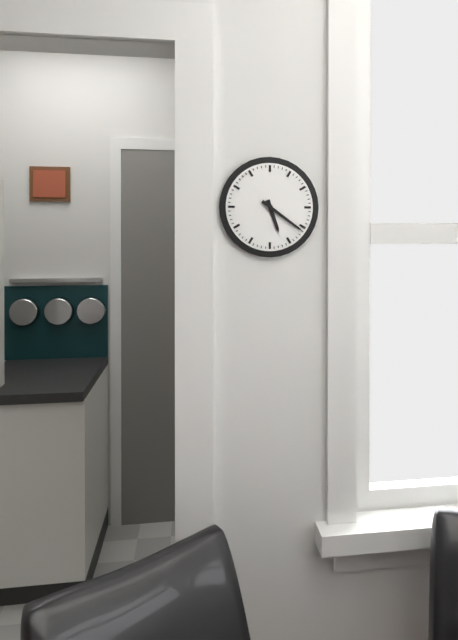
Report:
5:21
